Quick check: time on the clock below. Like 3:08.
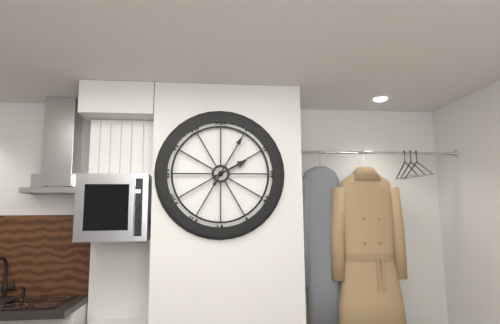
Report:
2:05
